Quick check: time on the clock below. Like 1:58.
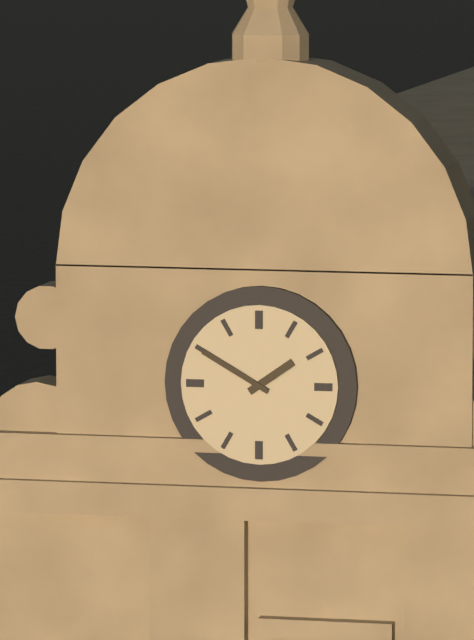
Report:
1:50
